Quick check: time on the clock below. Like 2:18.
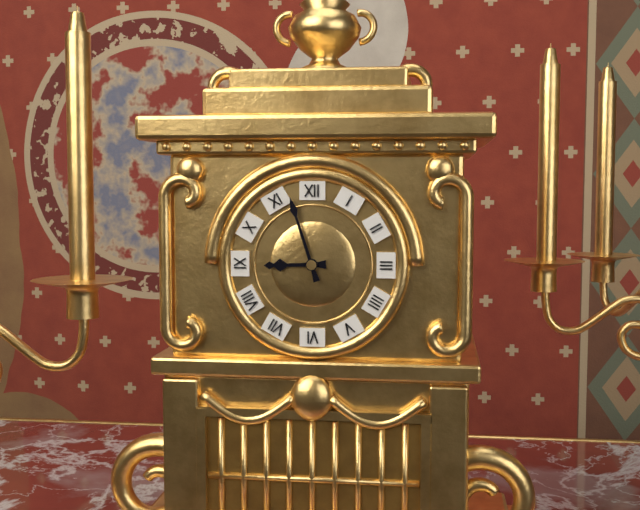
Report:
8:57
